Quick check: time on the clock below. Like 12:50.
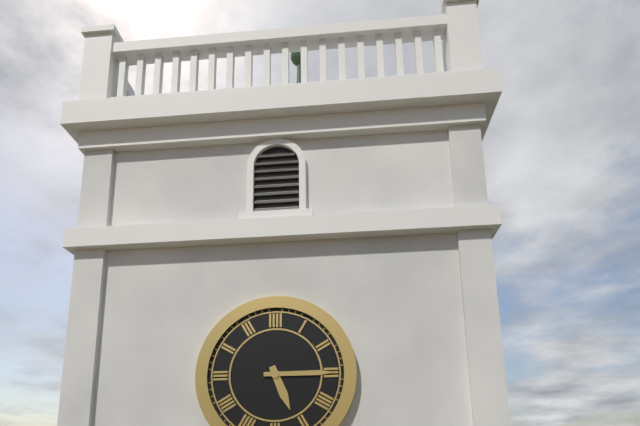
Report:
5:15
